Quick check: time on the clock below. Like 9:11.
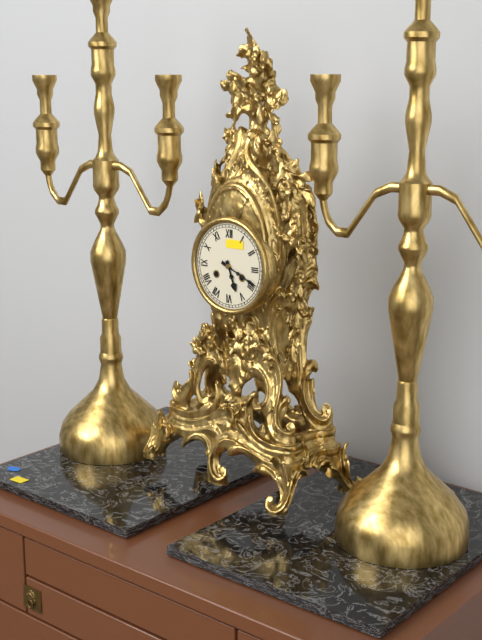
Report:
5:19
